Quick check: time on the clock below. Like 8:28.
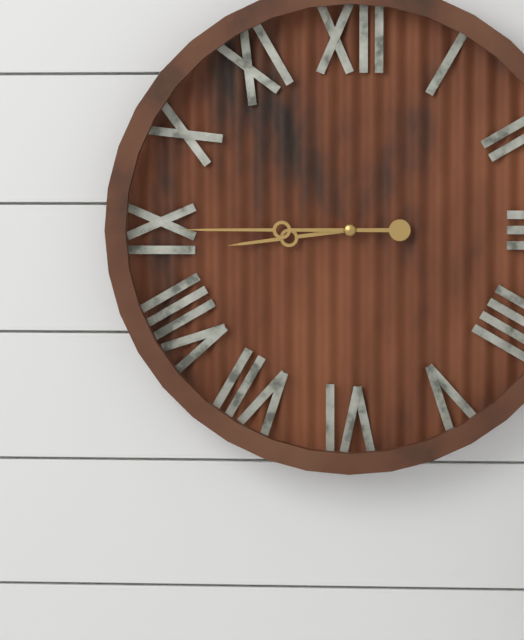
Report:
8:45
